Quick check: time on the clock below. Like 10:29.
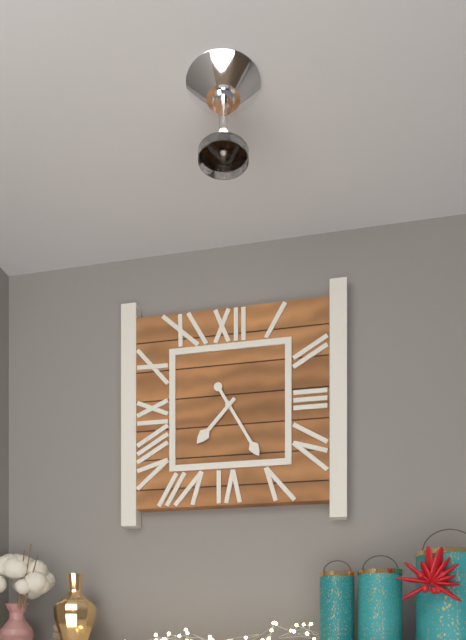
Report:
7:25
